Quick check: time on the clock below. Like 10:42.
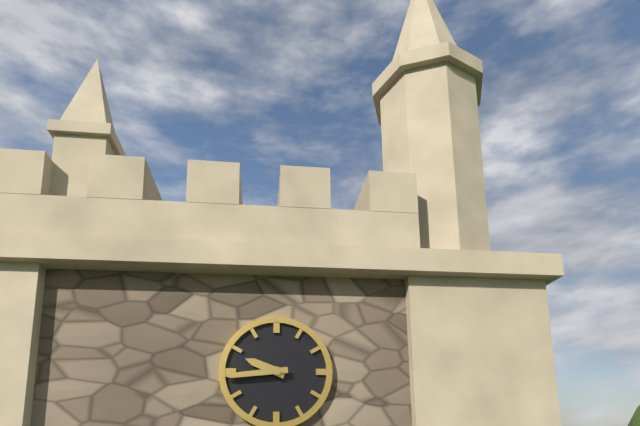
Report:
9:44
